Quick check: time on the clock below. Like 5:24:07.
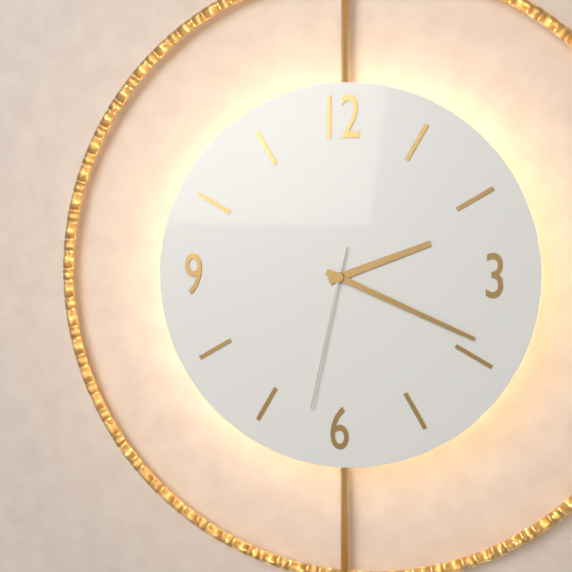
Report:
2:19:32
